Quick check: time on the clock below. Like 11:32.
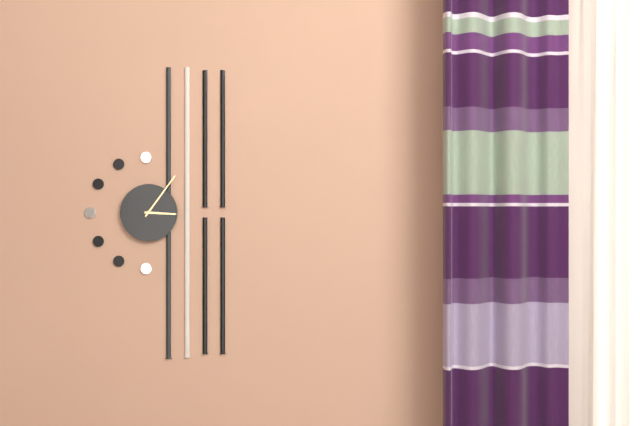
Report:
3:06
